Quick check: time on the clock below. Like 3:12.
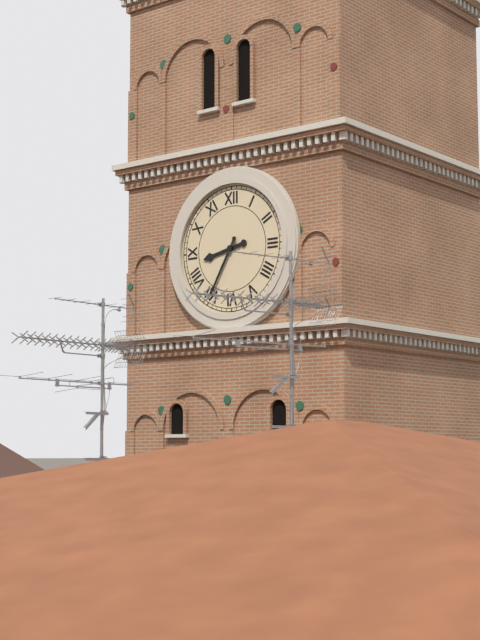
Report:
8:35
